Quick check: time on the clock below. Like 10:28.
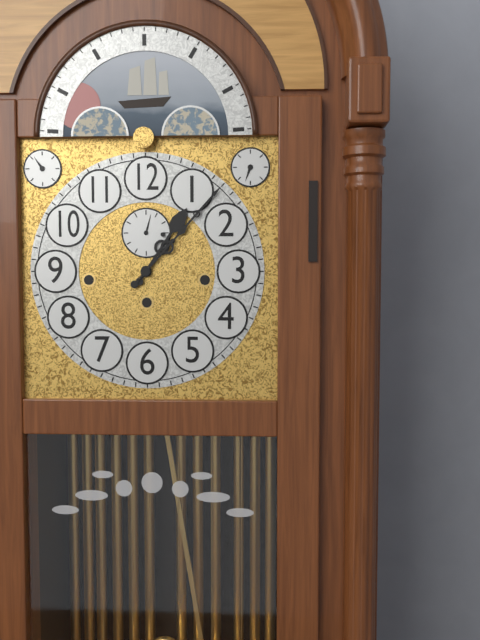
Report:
1:07
